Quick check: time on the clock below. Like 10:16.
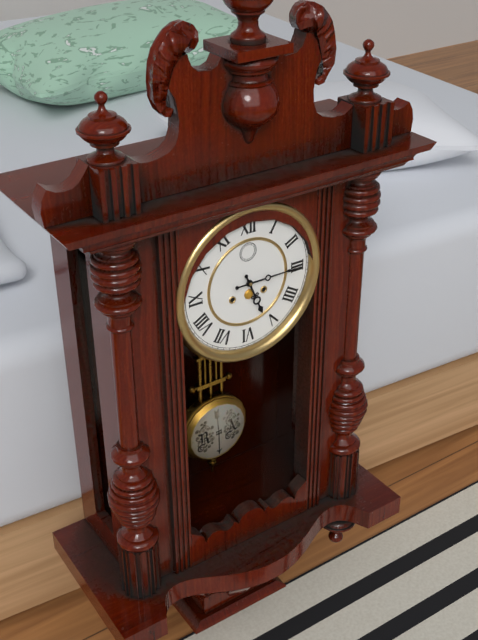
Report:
5:15
